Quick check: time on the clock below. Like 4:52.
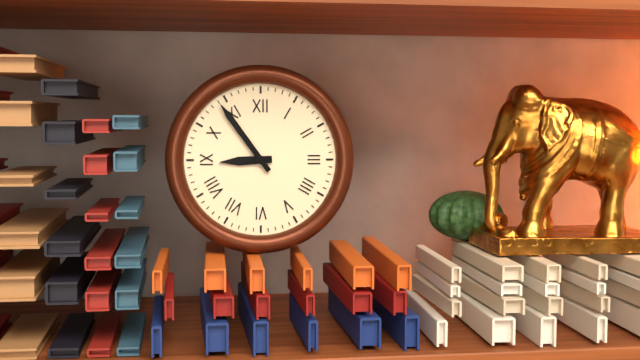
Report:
8:54
